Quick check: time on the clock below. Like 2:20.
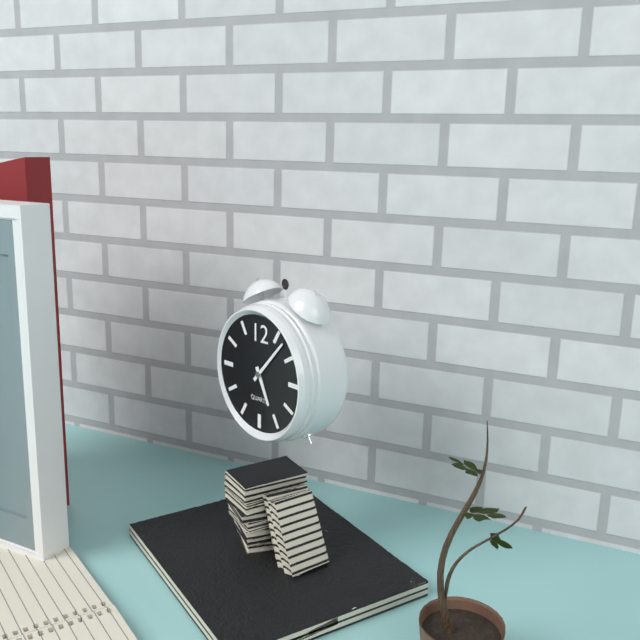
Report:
5:07
